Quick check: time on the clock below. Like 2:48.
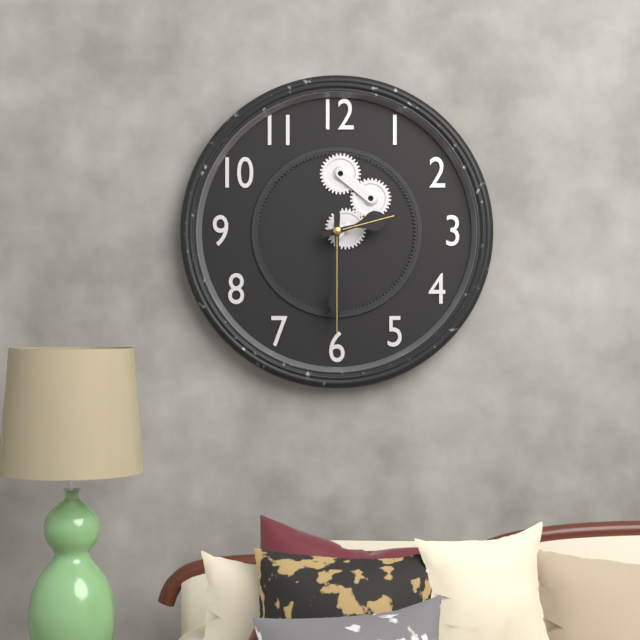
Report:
2:30
